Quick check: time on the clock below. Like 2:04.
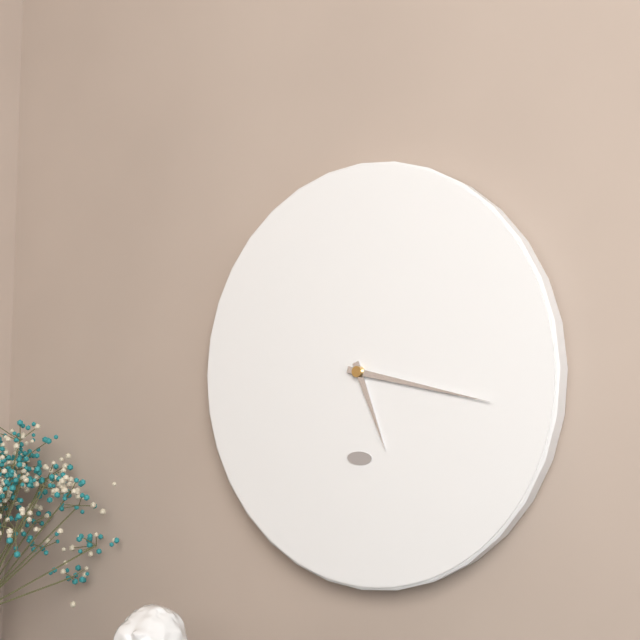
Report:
5:17
